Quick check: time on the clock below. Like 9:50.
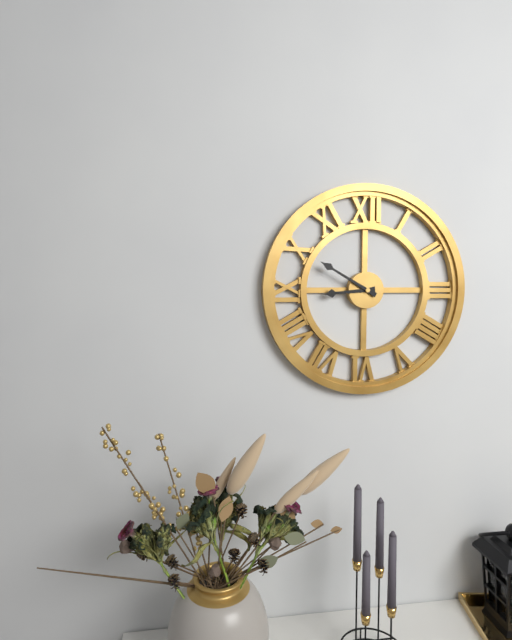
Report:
8:50
